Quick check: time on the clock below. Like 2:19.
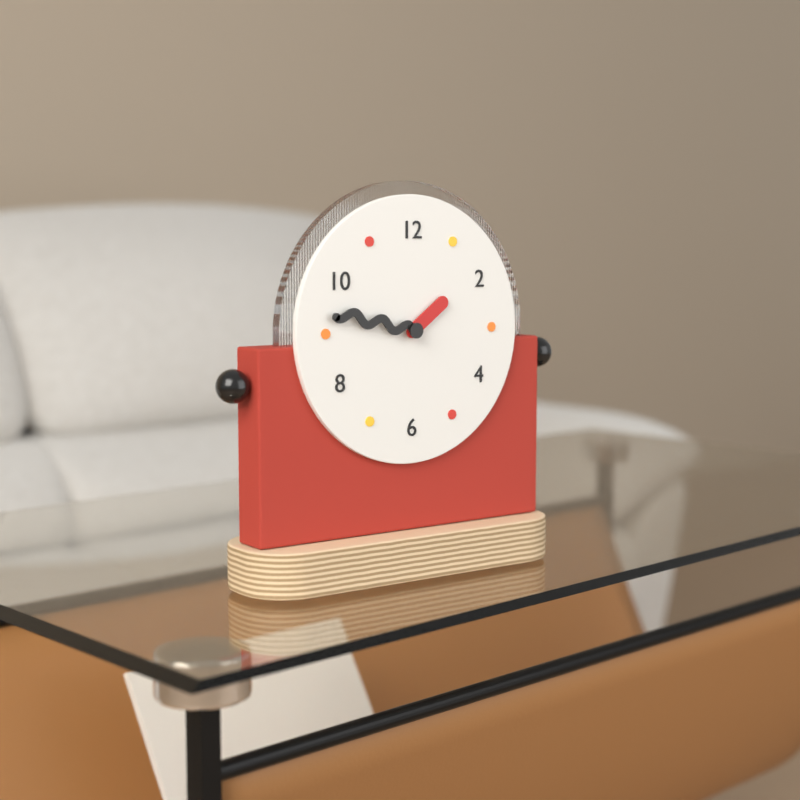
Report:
1:47
